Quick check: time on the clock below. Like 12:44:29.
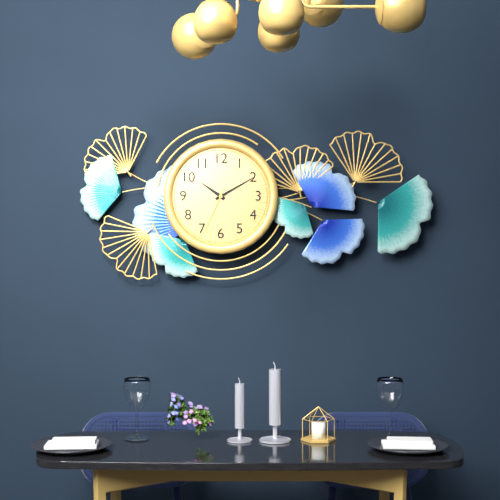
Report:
10:10:34
